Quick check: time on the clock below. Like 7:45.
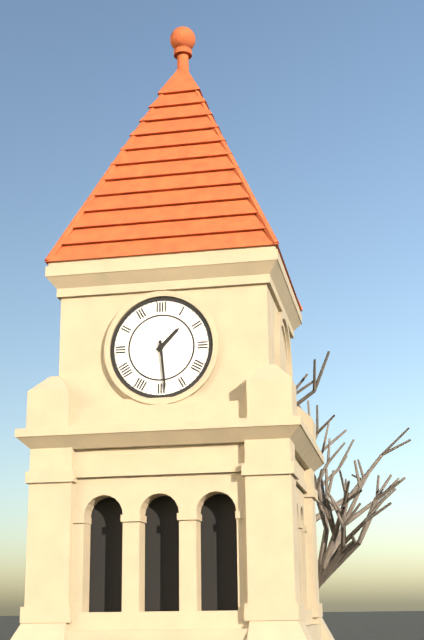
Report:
1:29
